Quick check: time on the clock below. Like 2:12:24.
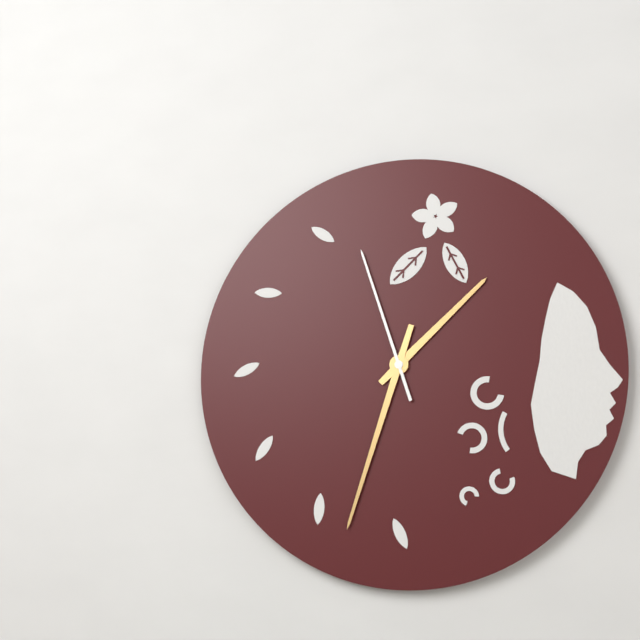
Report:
1:33:57
